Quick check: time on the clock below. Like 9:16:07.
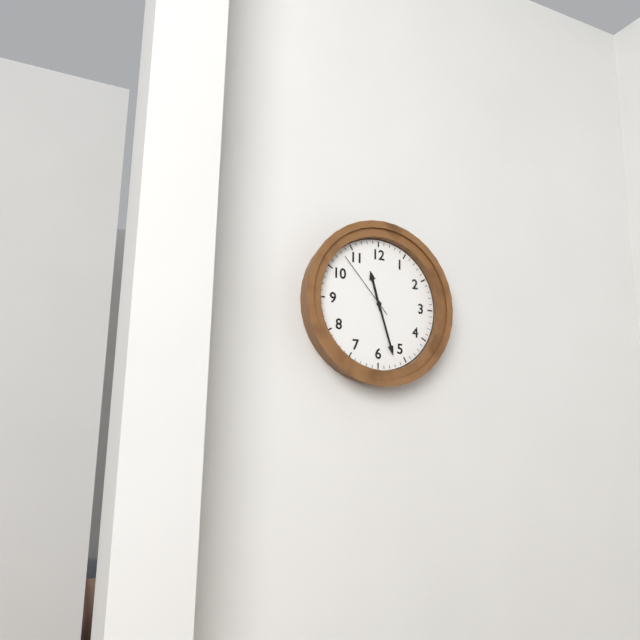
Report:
11:27:53
